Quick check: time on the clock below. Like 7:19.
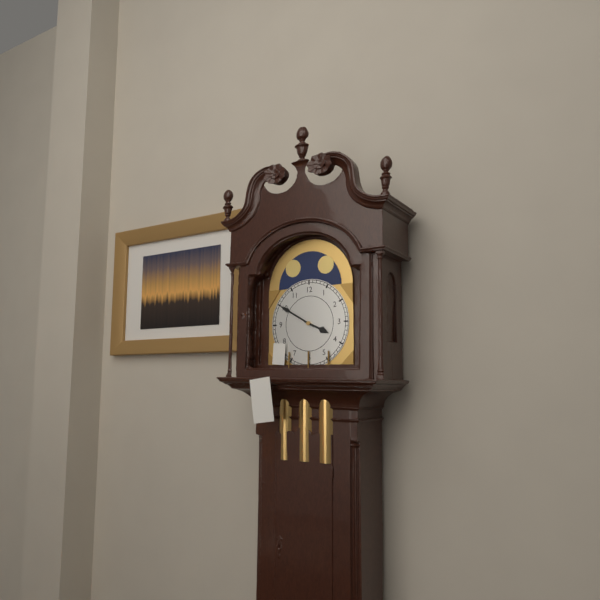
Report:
3:50
